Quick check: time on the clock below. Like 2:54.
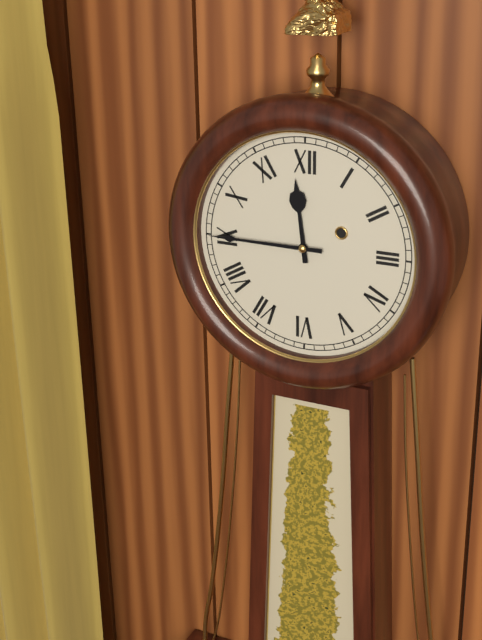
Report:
11:45
